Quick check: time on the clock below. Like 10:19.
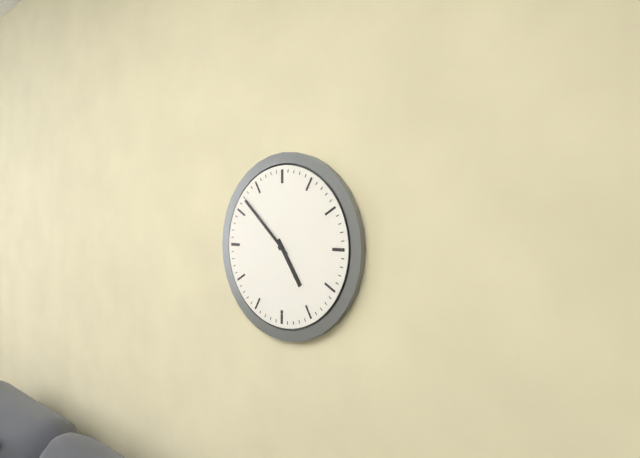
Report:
4:52
